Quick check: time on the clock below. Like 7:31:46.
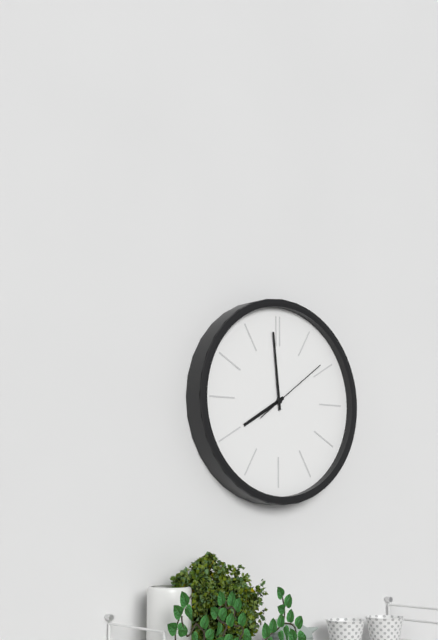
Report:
7:59:09
